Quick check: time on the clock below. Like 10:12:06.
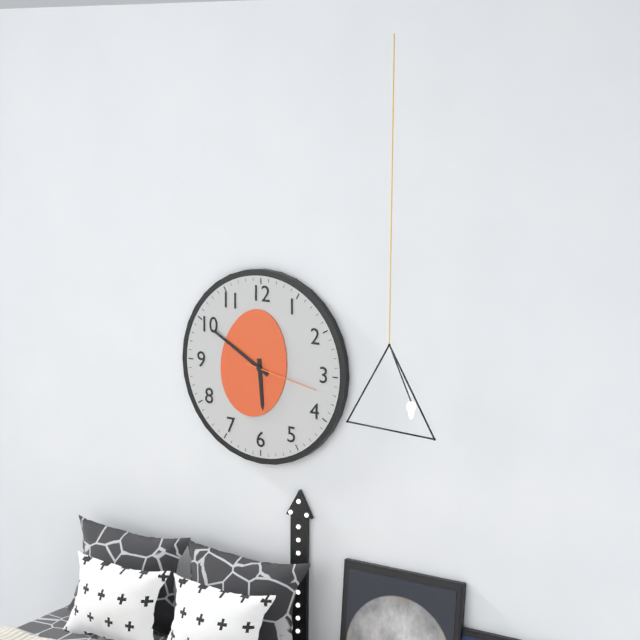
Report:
5:50:17
